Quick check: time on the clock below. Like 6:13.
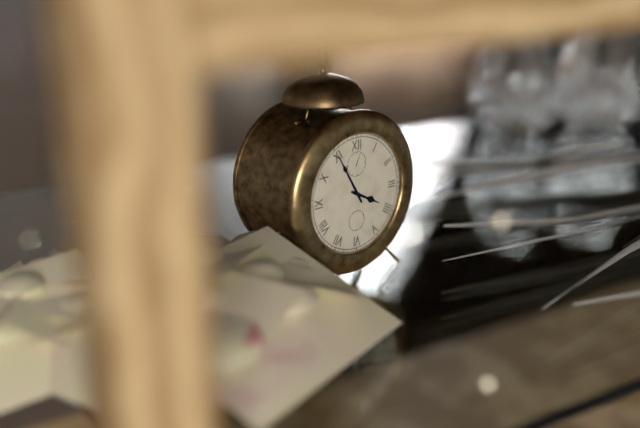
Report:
3:55
